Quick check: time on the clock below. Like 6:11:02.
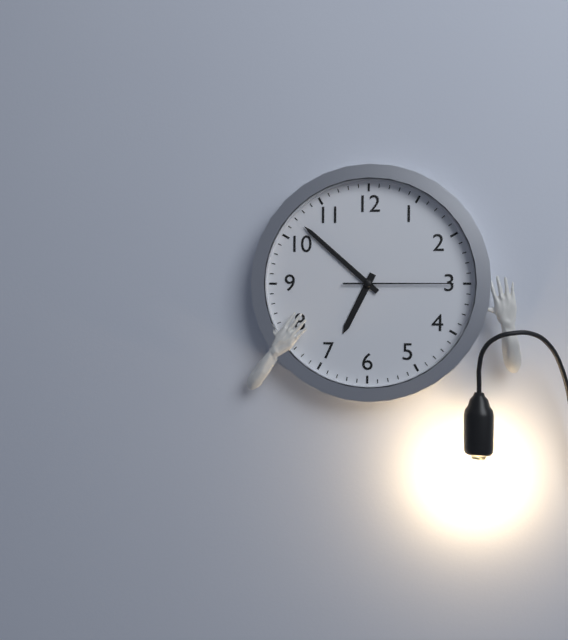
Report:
6:52:15
